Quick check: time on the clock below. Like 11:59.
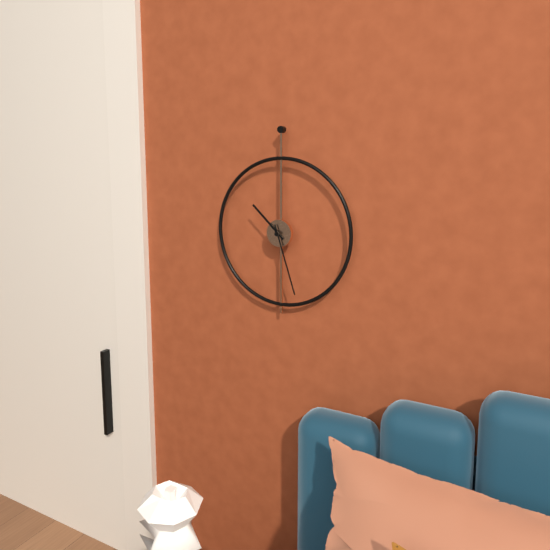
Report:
10:27
